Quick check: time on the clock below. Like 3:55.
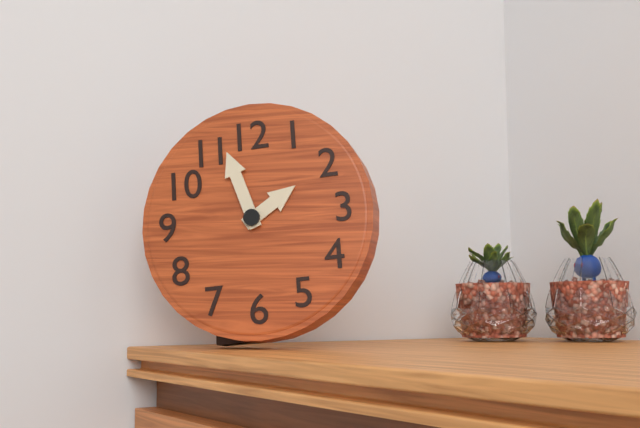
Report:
1:57
